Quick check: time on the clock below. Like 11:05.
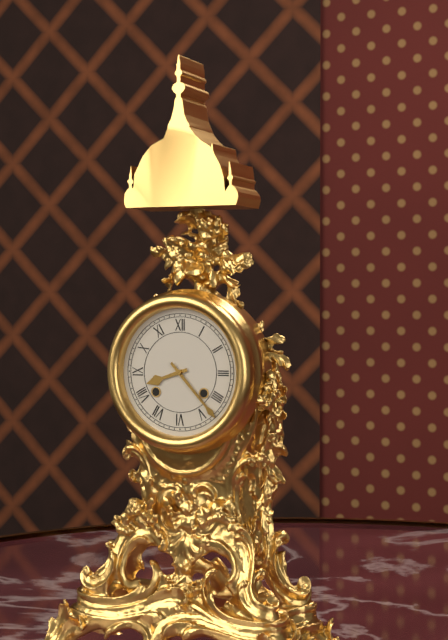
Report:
8:23
